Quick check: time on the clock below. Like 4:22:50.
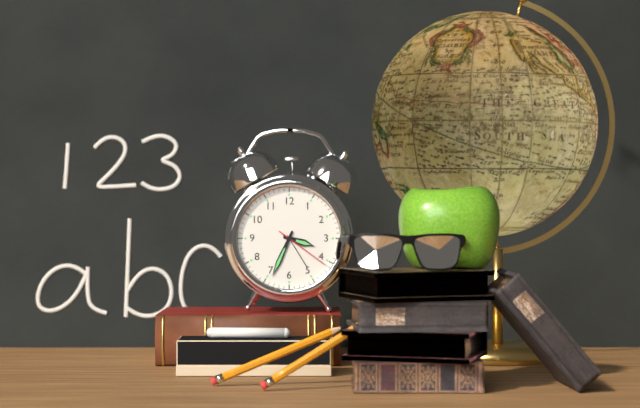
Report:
3:34:21
